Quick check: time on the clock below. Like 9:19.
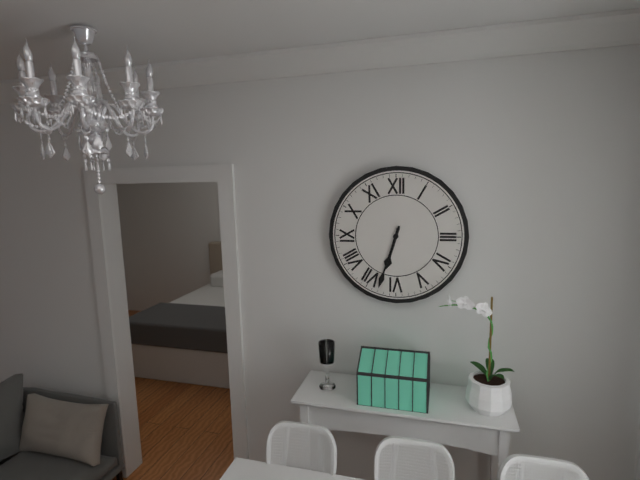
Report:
6:33
